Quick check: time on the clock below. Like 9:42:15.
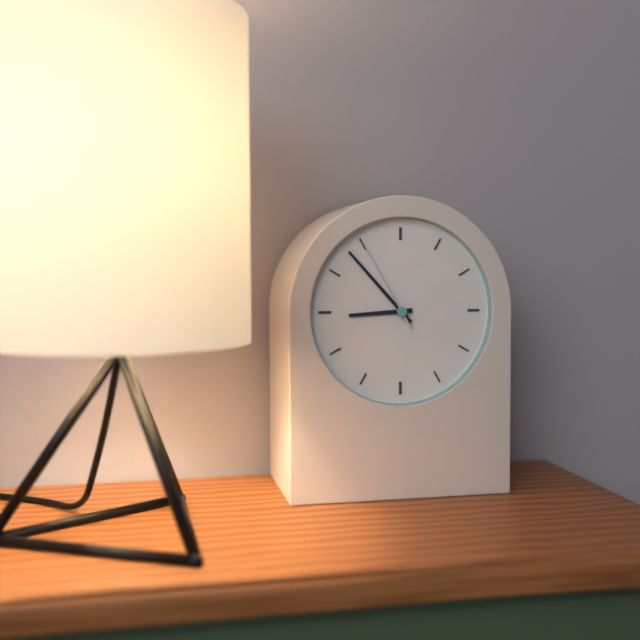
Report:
8:53:55
